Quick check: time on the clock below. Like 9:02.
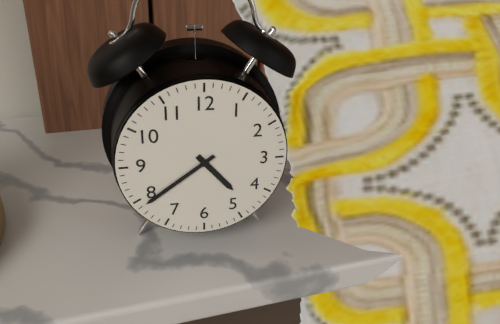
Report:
4:39
